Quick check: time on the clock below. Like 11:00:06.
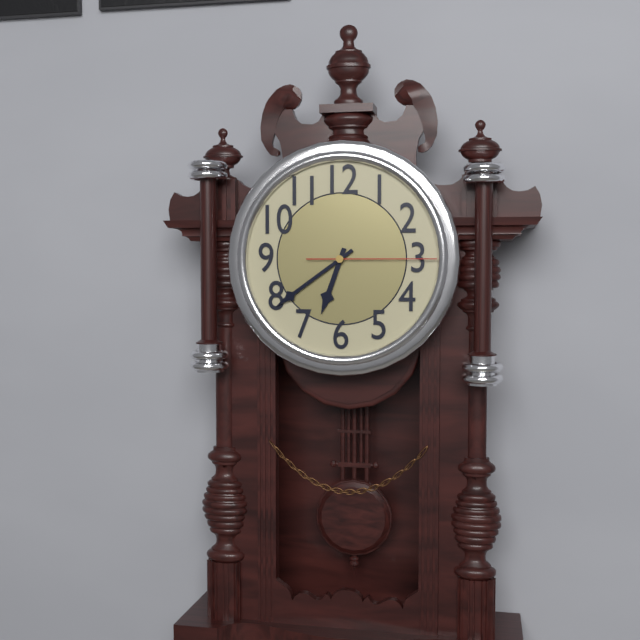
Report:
6:39:15
